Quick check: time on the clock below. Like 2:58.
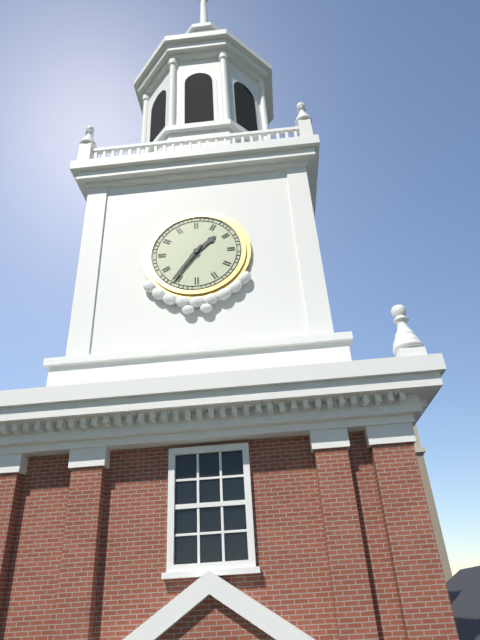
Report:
1:36
